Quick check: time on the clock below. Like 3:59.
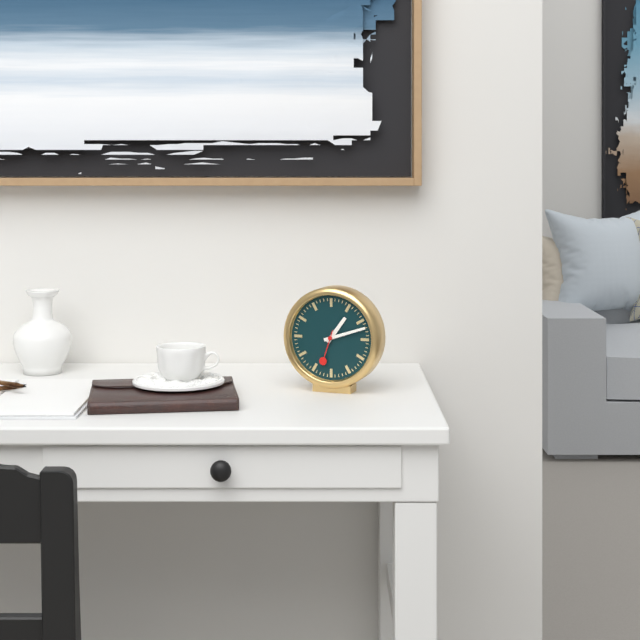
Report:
1:12
